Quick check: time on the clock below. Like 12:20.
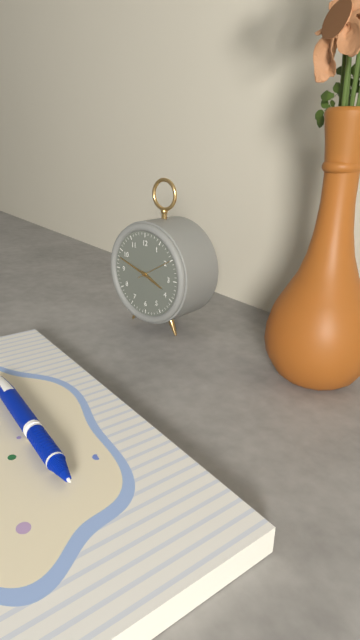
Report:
3:48
